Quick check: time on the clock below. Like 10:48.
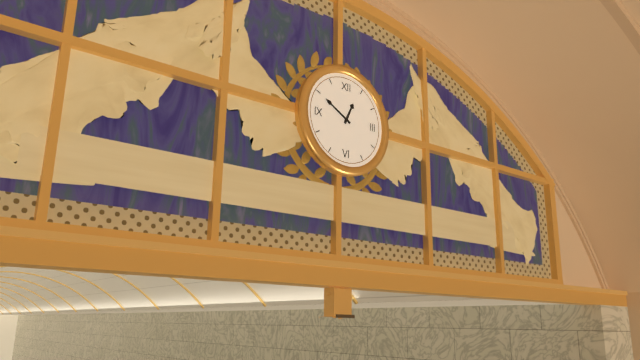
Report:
12:50
